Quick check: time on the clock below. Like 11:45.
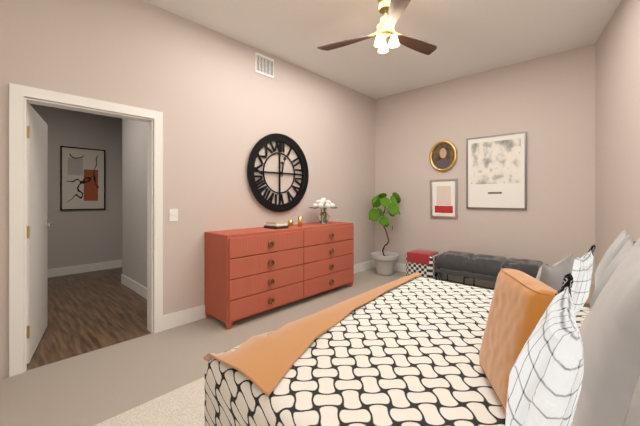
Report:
12:02
